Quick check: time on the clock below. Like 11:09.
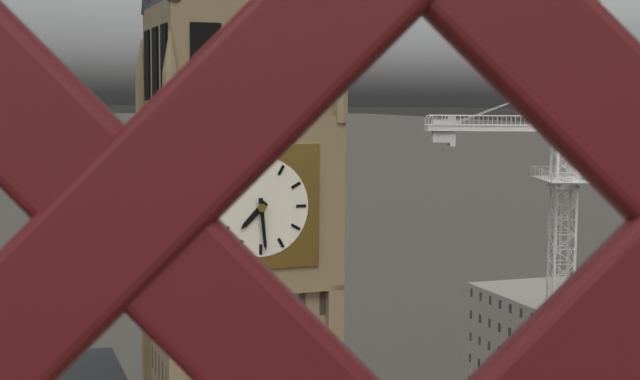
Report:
7:29
